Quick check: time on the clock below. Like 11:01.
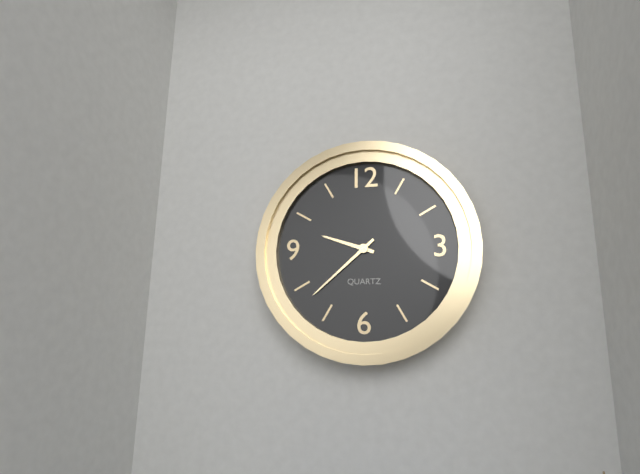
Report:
9:38
